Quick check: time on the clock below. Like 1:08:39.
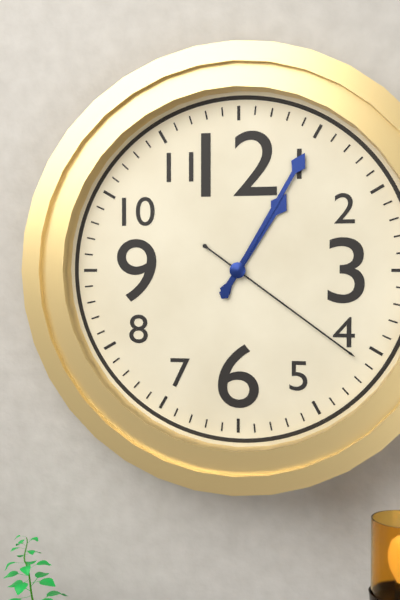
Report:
1:05:21
